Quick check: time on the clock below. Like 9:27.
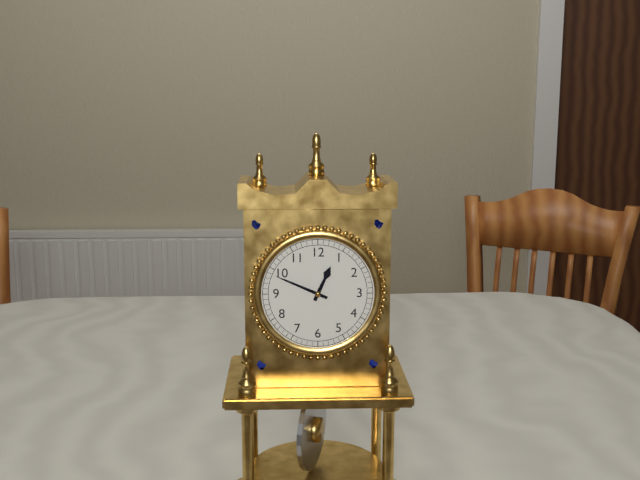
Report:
12:49
